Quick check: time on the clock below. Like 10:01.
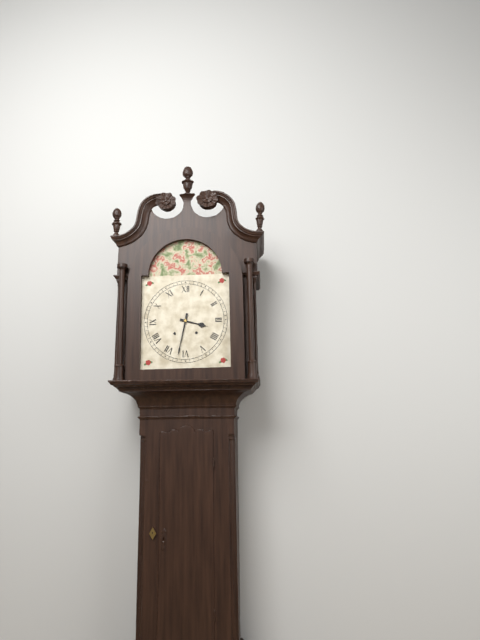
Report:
3:32
